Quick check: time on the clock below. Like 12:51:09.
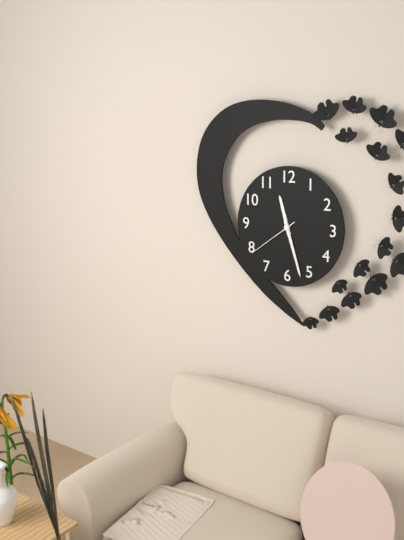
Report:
11:27:39
